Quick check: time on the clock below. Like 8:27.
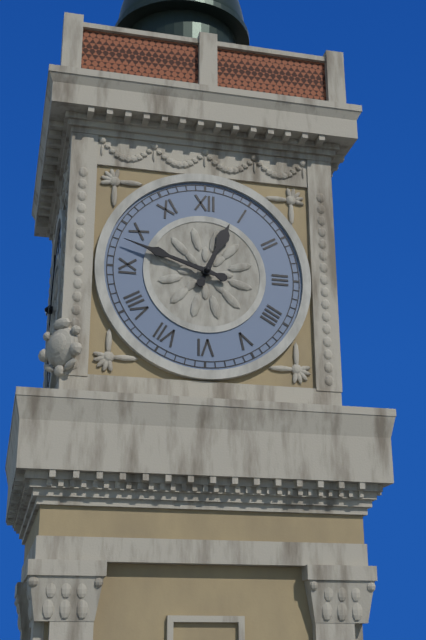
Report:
12:48
